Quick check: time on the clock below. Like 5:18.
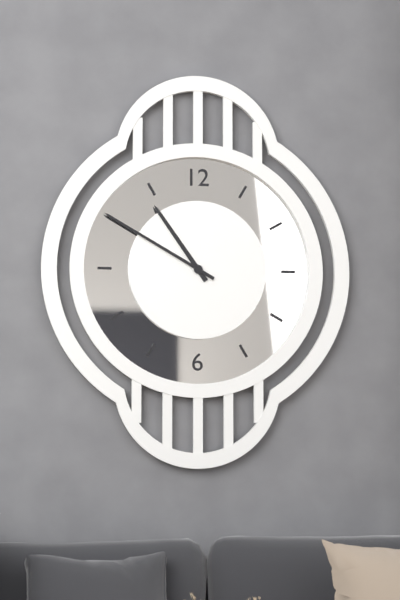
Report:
10:50
